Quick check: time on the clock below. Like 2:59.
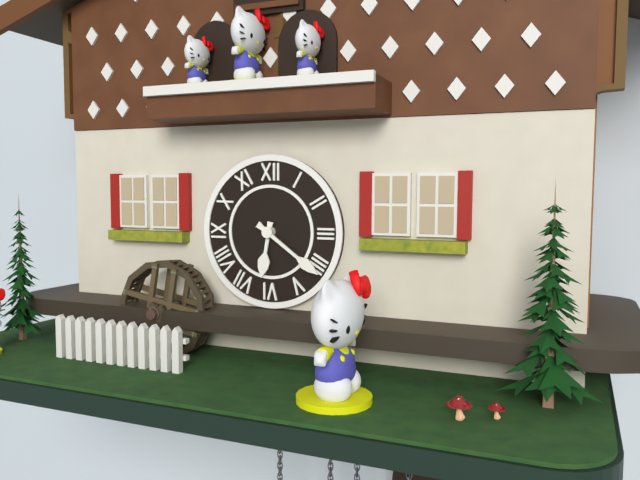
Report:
6:21
